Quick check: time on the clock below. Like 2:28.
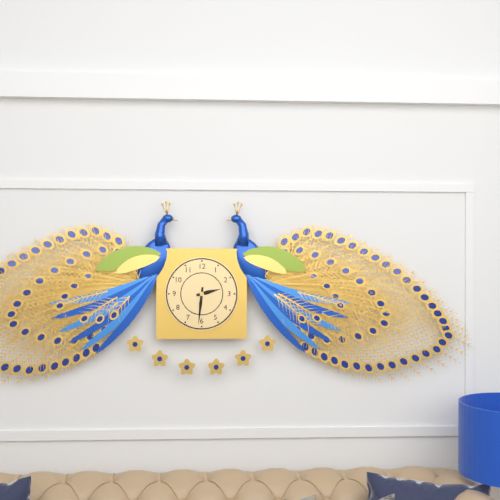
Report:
2:31
